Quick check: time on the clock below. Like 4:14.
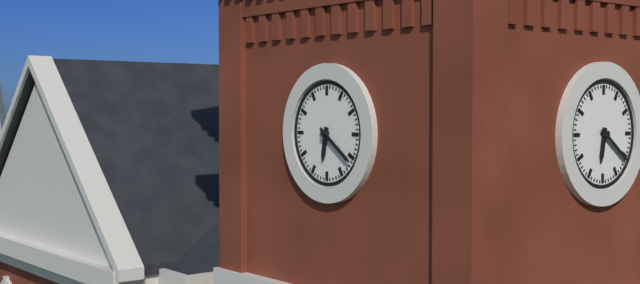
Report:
6:21
